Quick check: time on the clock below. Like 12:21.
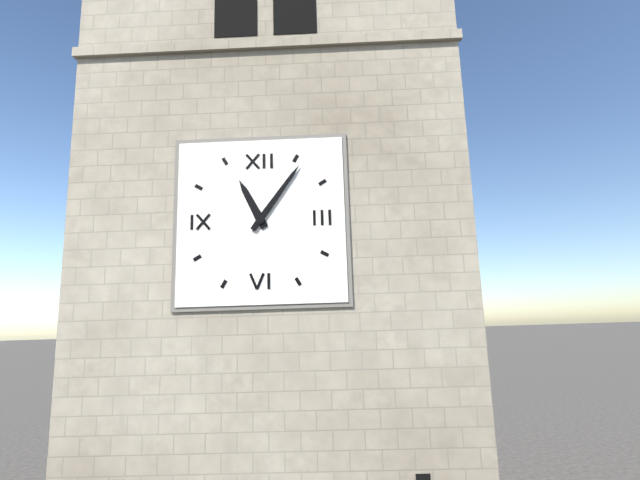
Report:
11:06
